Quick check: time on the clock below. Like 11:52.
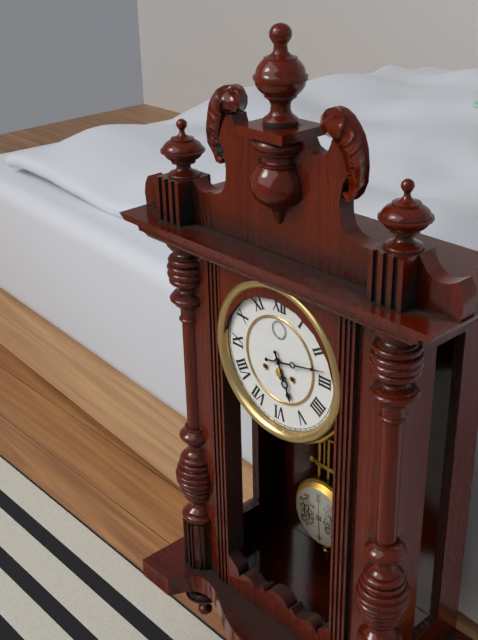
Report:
5:13
